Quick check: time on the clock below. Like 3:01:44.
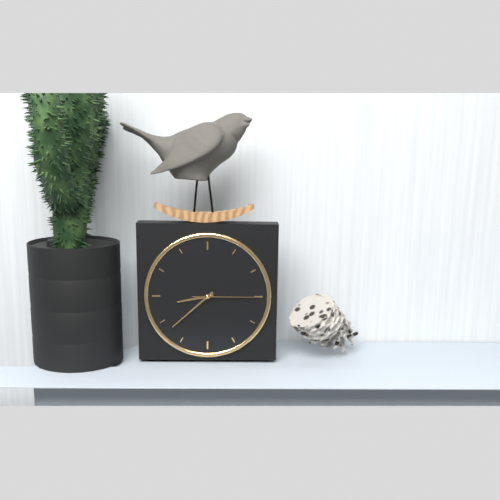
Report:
8:38:15
